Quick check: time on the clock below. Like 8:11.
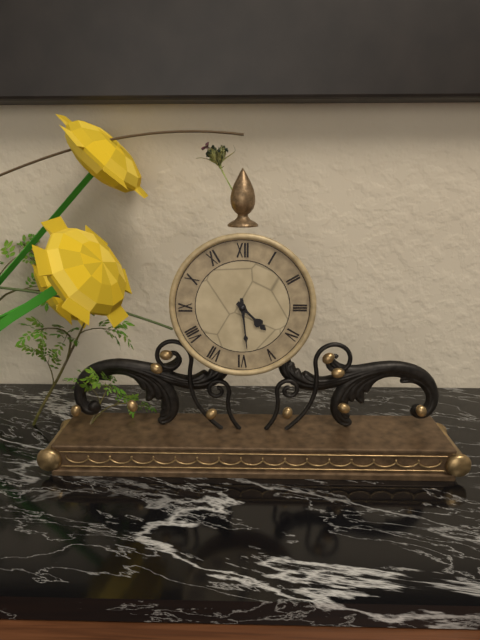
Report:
4:29
